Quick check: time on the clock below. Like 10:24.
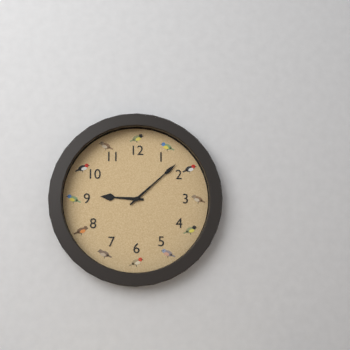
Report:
9:08
